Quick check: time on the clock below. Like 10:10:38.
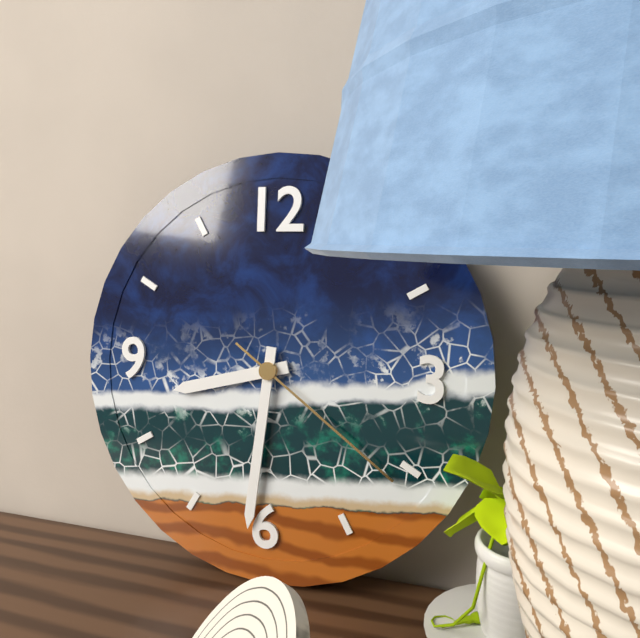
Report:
8:31:21
